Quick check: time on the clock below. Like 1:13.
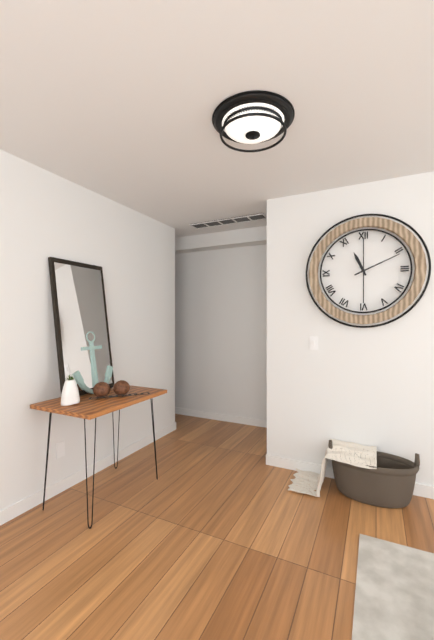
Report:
11:11
